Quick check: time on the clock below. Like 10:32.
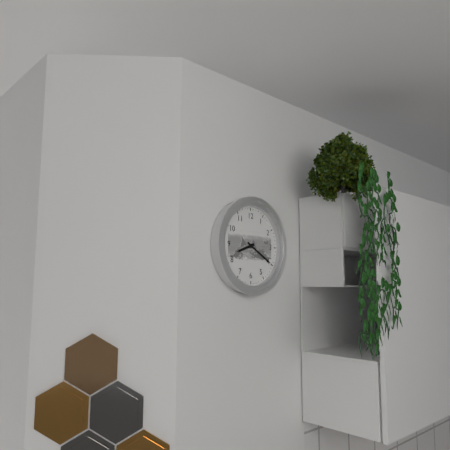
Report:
8:20
